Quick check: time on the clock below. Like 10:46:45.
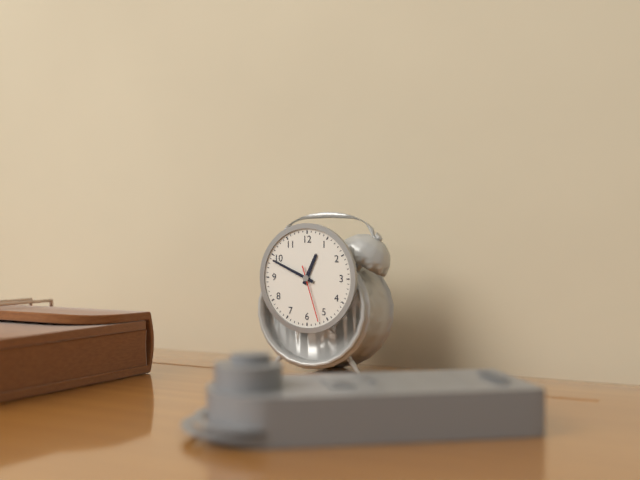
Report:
12:49:27
